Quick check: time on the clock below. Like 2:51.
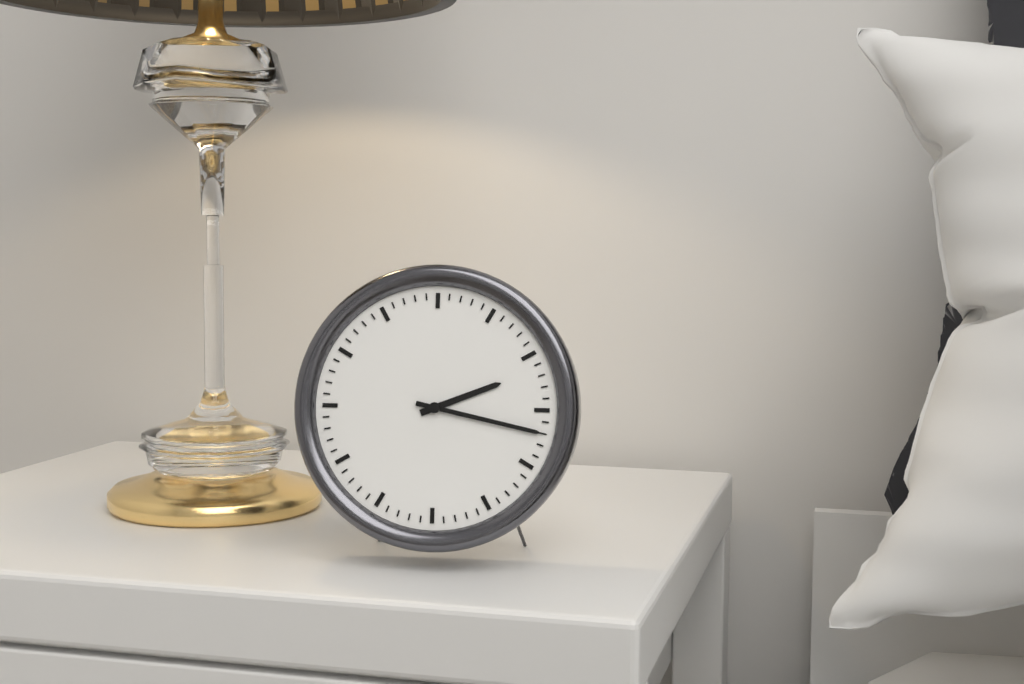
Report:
2:17
